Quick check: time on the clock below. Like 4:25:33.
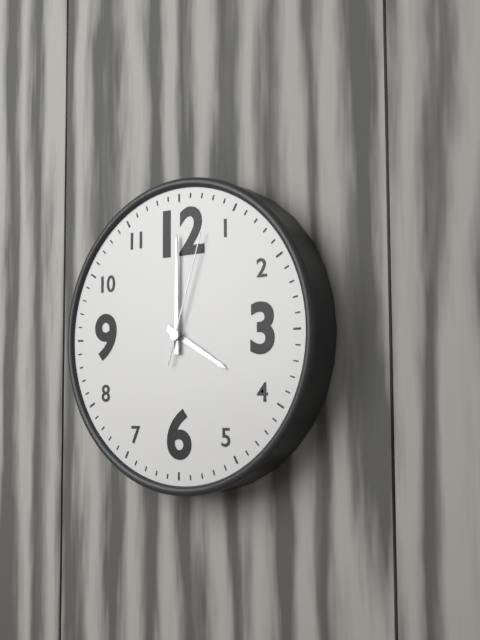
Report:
4:00:03
